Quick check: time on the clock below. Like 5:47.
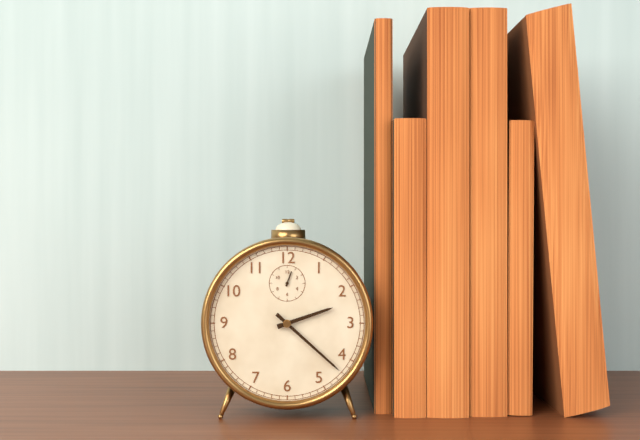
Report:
2:22
